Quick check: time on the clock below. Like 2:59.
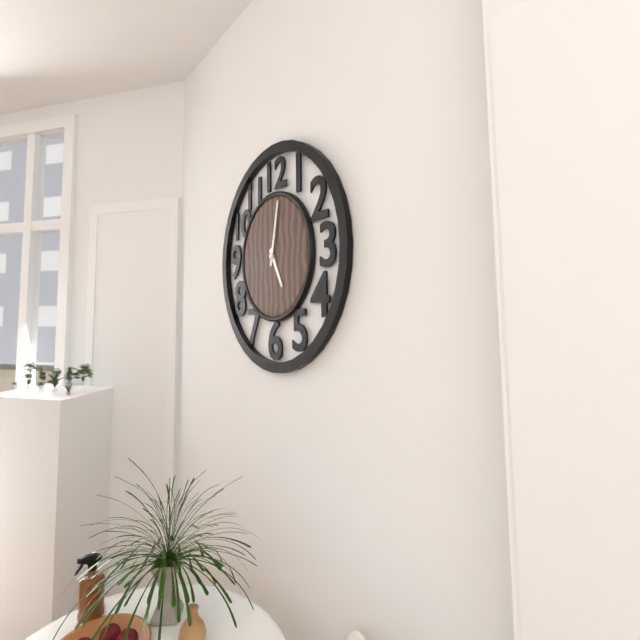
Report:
5:02
